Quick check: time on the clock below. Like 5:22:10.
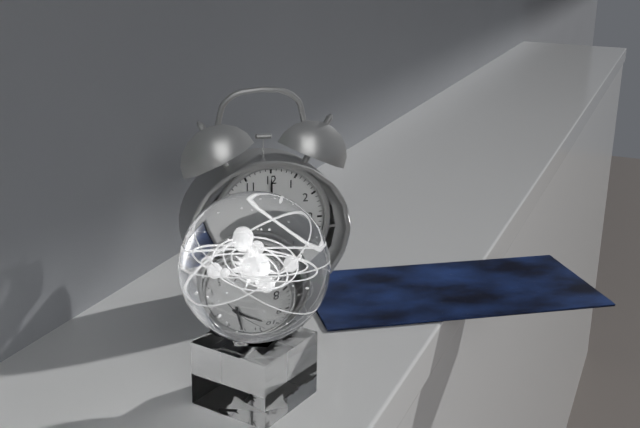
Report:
10:00:53
